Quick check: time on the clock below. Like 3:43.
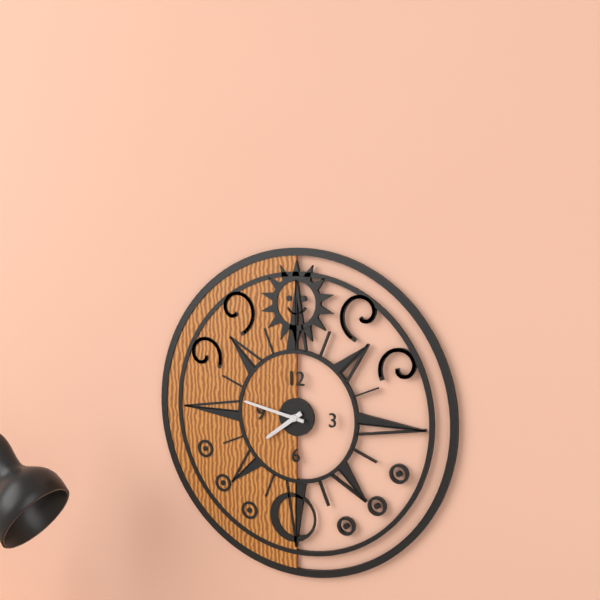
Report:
7:47
